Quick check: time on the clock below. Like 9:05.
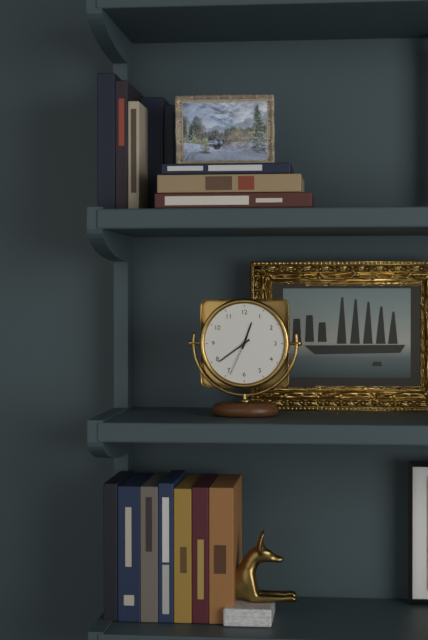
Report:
12:39
